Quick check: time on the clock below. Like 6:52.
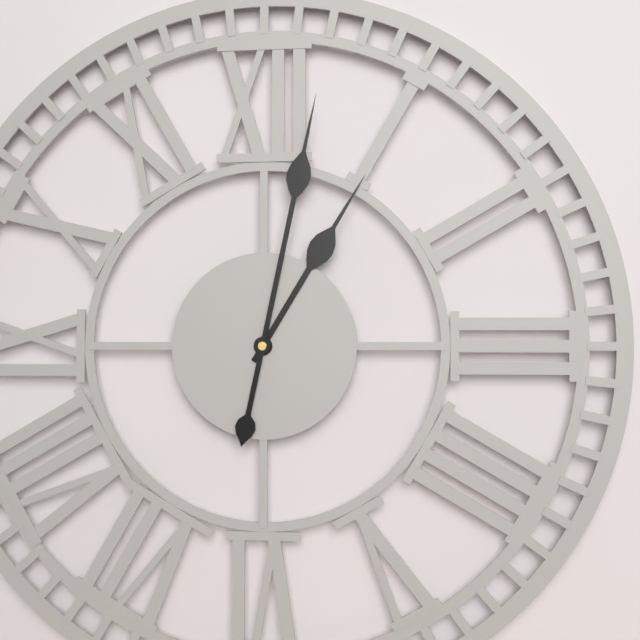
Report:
1:02
